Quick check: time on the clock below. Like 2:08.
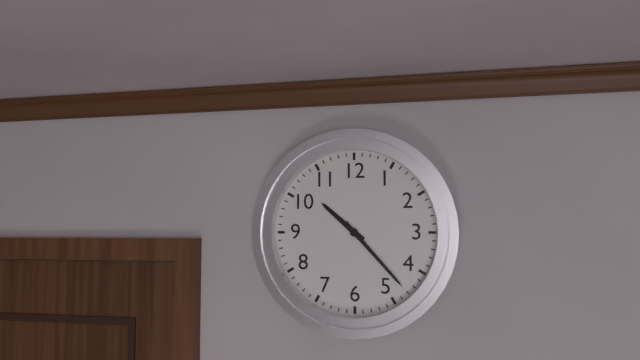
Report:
10:23
